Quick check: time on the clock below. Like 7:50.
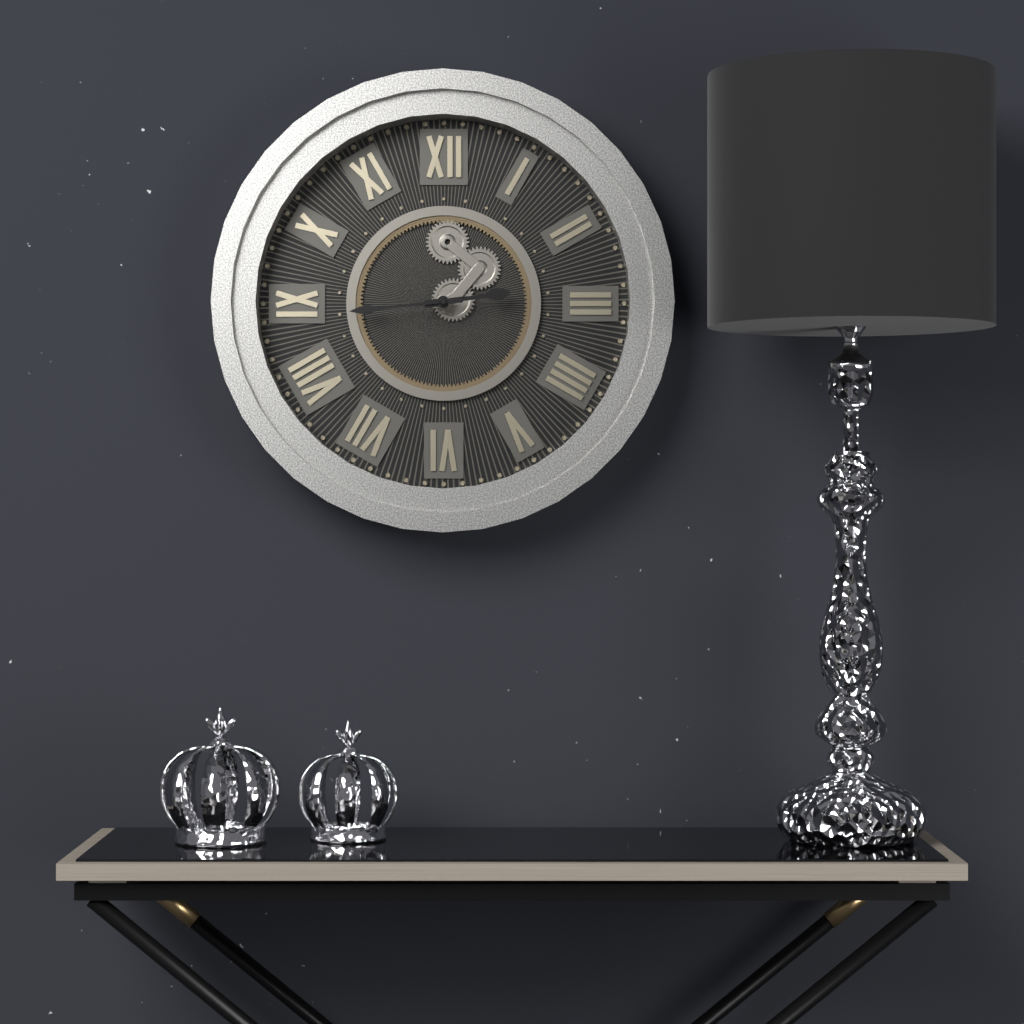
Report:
2:44
